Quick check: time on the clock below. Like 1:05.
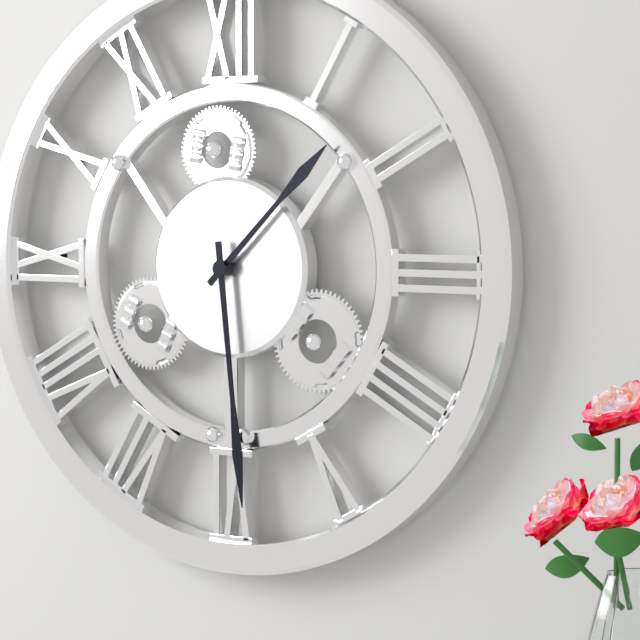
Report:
1:29
